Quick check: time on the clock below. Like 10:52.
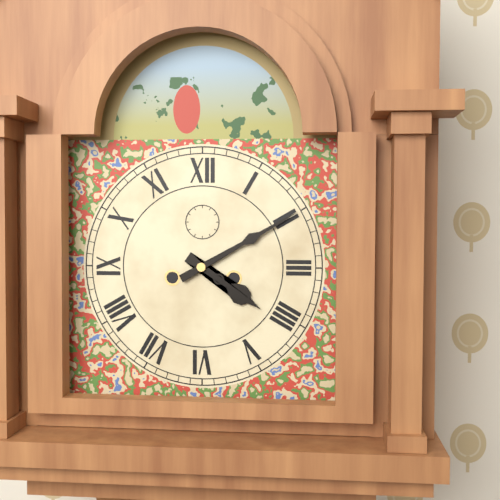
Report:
4:10
